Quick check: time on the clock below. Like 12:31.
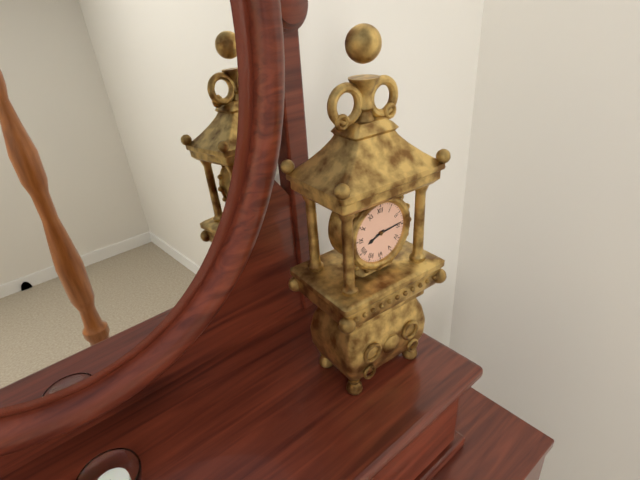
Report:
8:14
